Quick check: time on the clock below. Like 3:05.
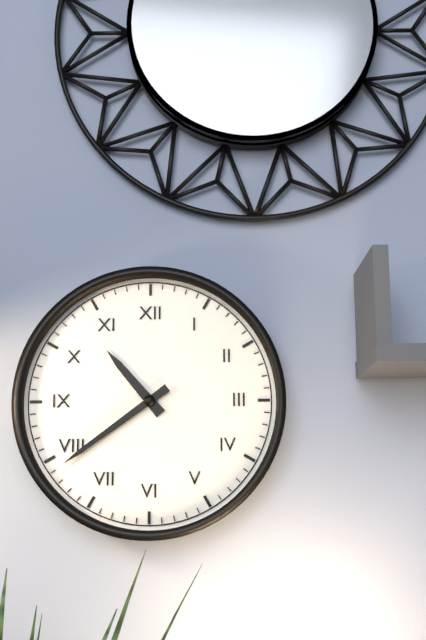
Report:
10:39
